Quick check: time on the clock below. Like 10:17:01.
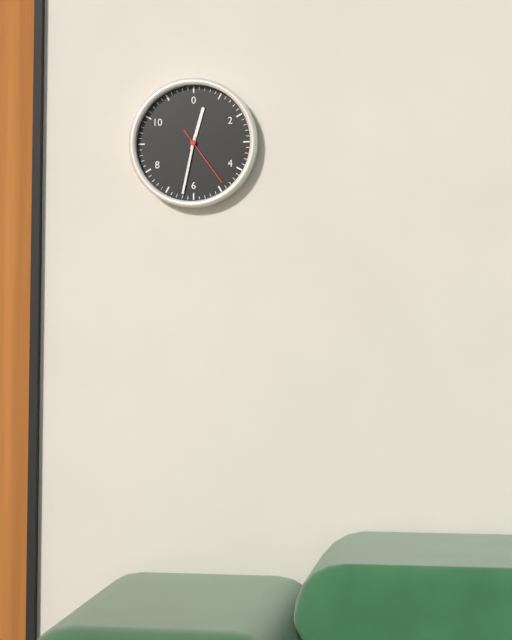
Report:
12:32:24
